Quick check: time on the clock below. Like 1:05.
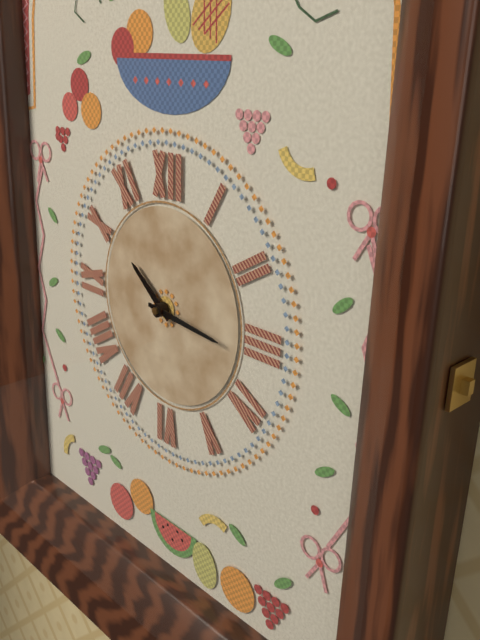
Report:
10:16
